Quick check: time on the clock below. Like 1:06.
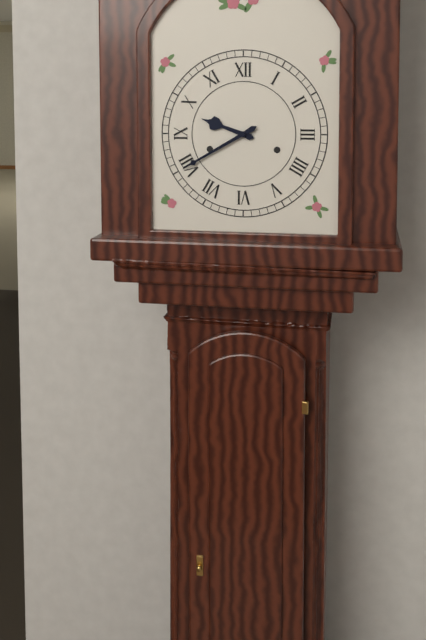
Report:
9:40
